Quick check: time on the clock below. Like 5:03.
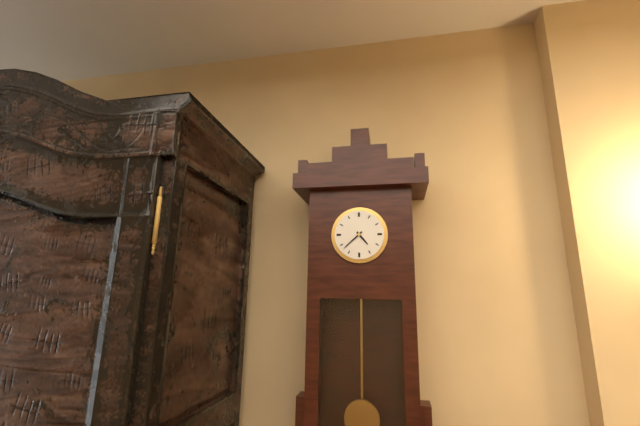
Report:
4:38
